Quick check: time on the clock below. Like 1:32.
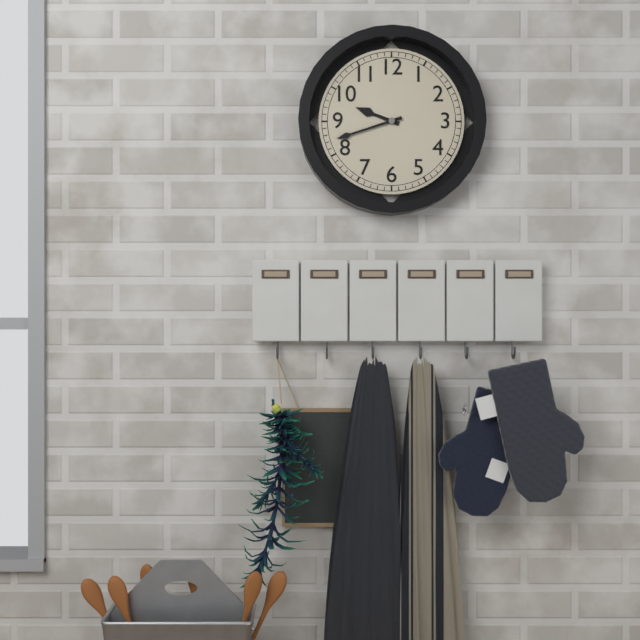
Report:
9:42
